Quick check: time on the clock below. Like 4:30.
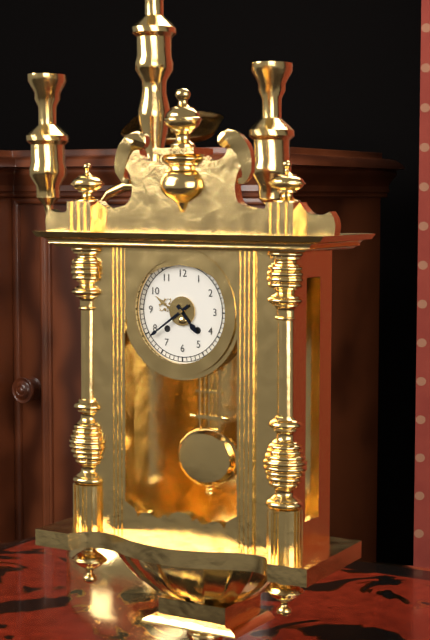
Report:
4:39
